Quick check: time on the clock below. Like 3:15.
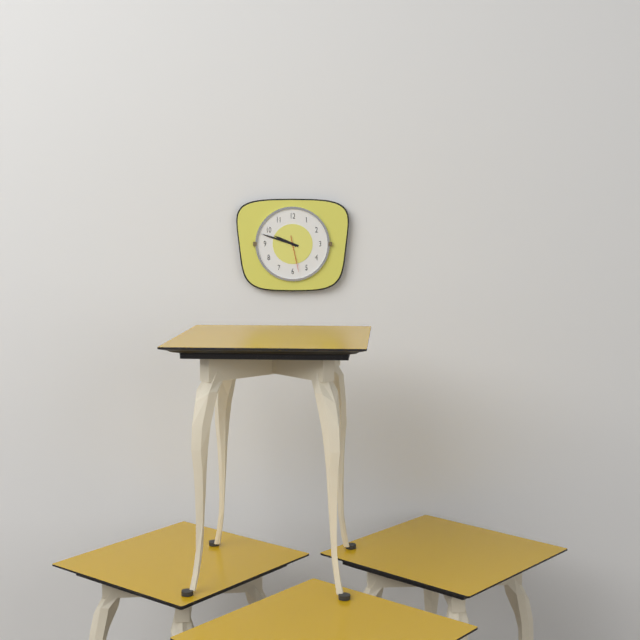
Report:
9:48
